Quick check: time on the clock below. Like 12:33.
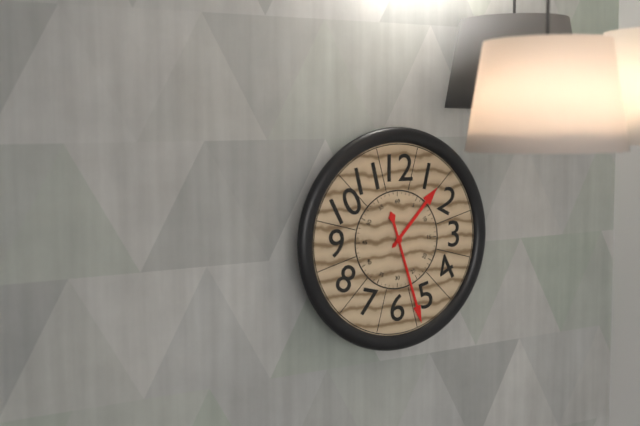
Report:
1:27
